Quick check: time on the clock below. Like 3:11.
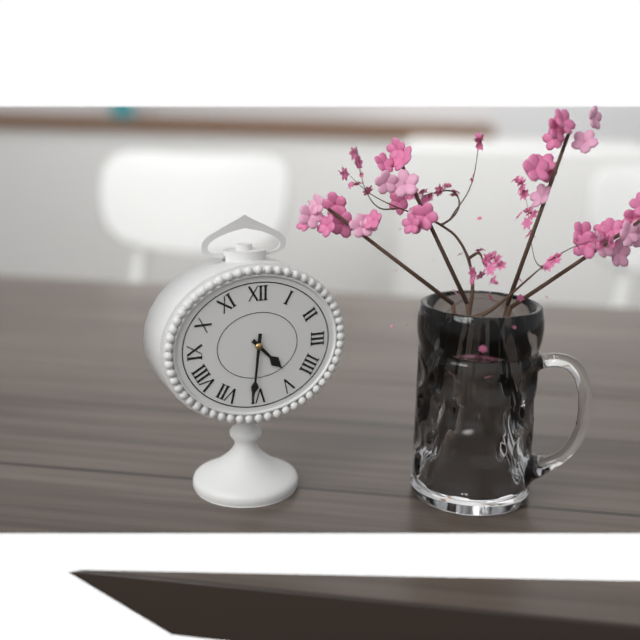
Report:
4:31
